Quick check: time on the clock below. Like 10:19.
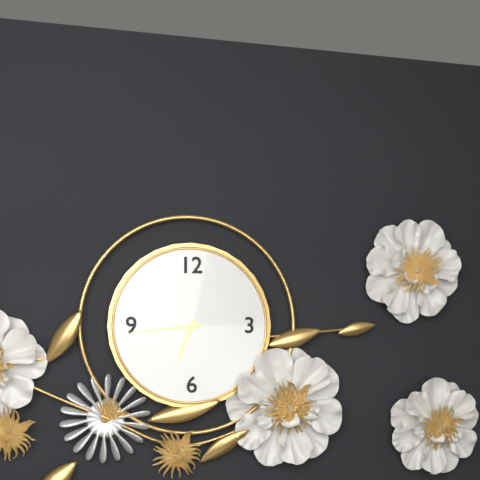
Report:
6:44
